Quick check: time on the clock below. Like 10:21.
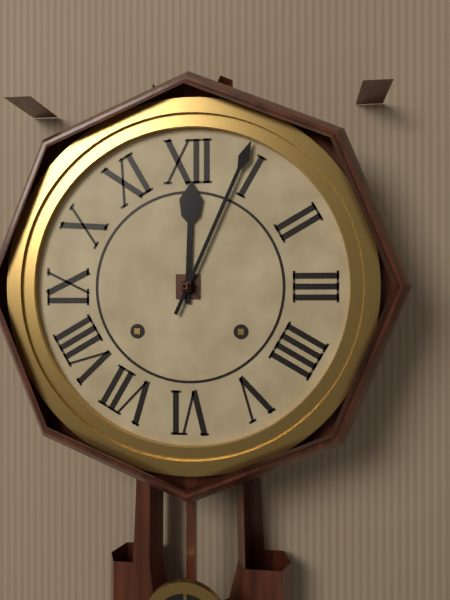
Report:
12:04
